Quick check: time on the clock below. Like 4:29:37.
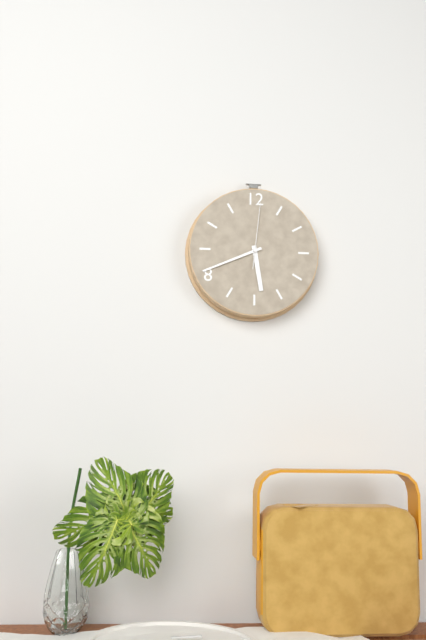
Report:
5:41:01
